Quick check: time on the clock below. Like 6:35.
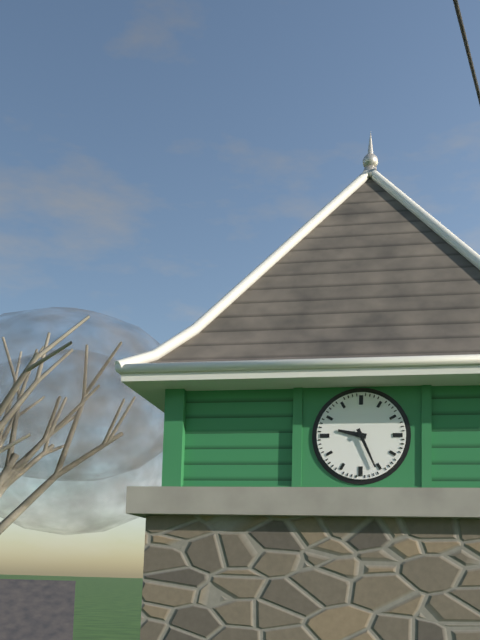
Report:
9:26
